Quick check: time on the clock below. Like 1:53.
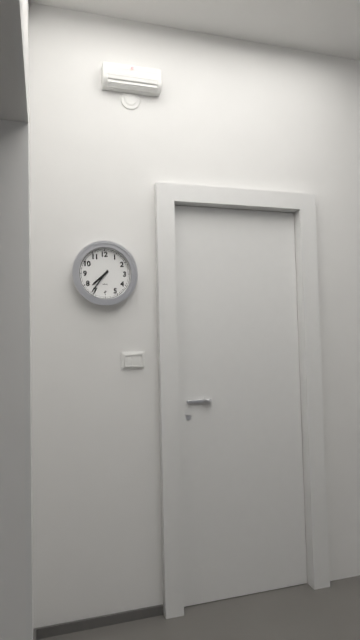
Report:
7:36
